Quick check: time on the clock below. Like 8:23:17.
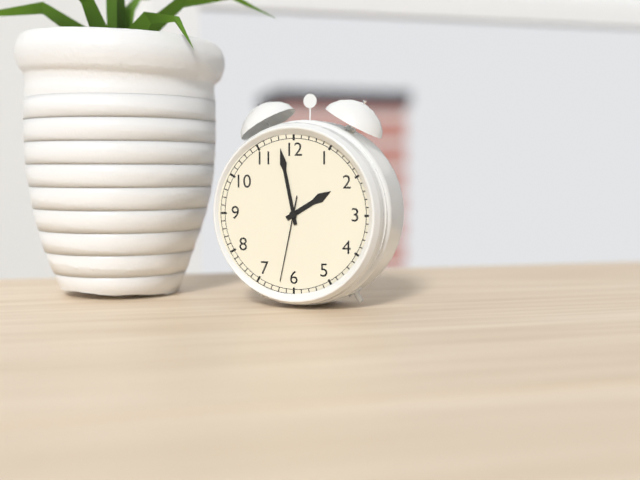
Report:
1:58:32
